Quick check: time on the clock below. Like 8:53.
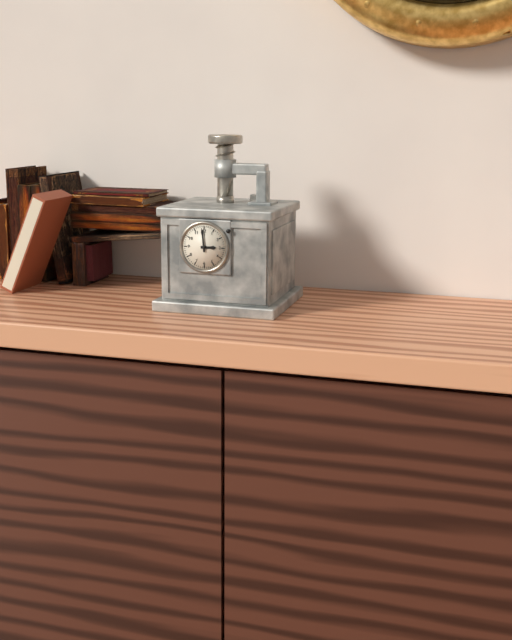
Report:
2:59
